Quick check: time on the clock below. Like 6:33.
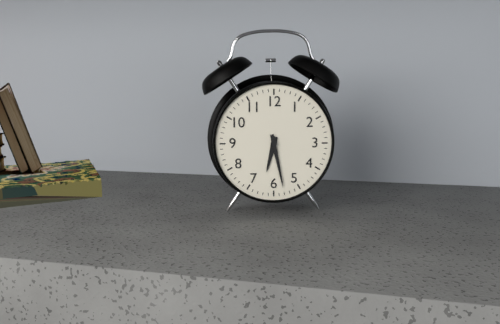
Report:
6:28
